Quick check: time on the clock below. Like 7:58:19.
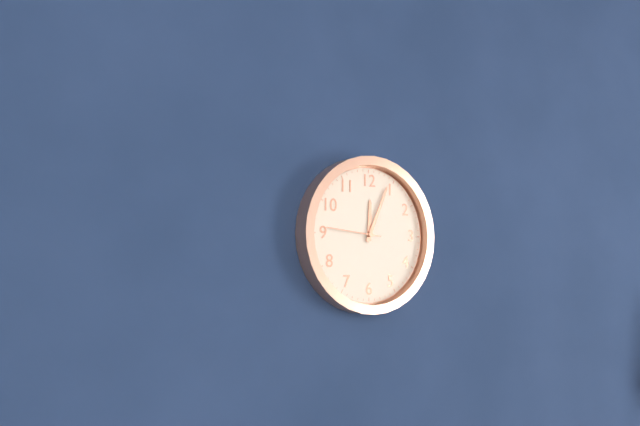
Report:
12:04:46
